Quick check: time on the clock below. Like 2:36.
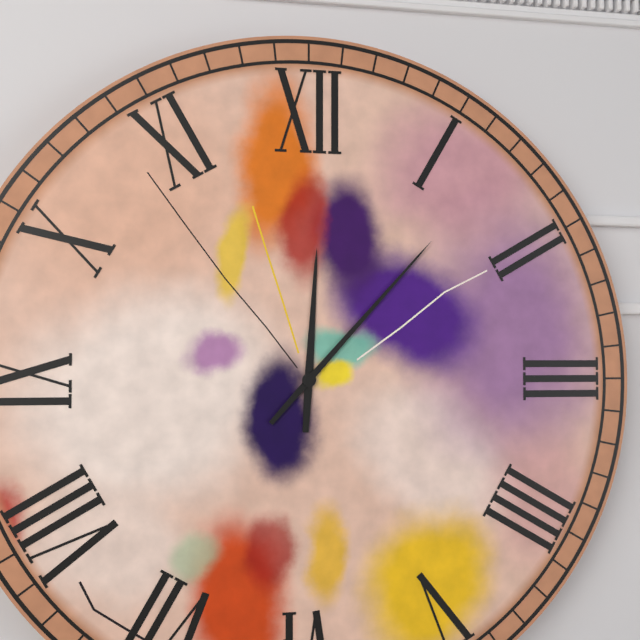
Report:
12:07
